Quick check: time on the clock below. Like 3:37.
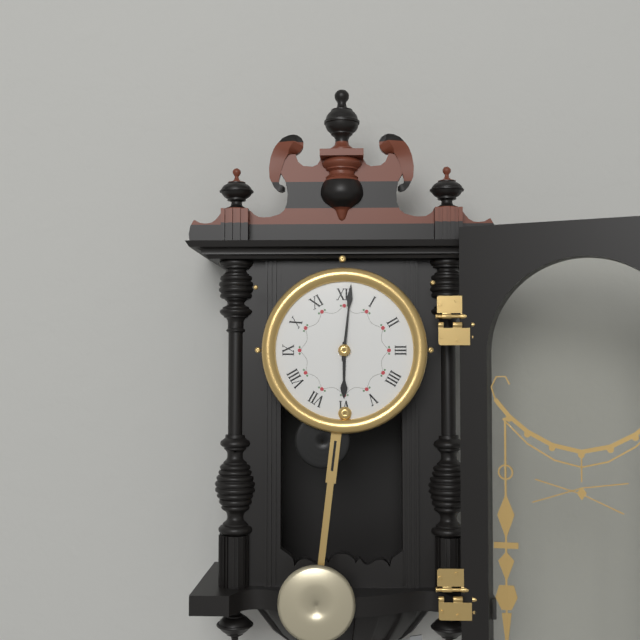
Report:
6:01
